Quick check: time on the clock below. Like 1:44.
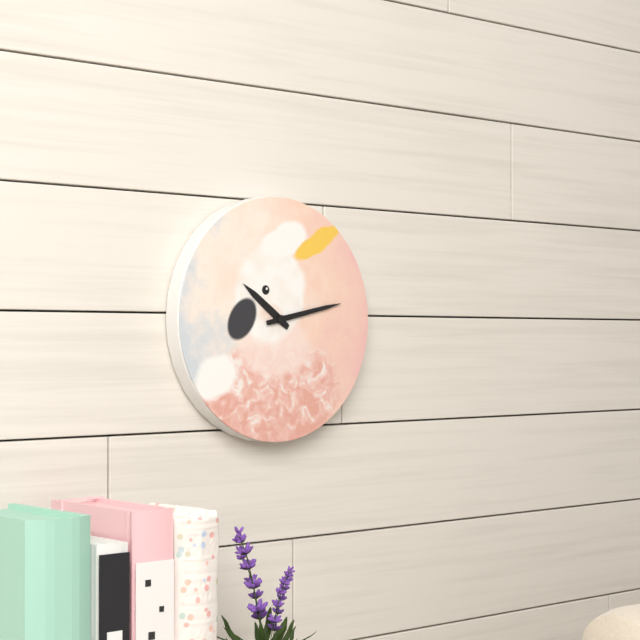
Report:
10:13
